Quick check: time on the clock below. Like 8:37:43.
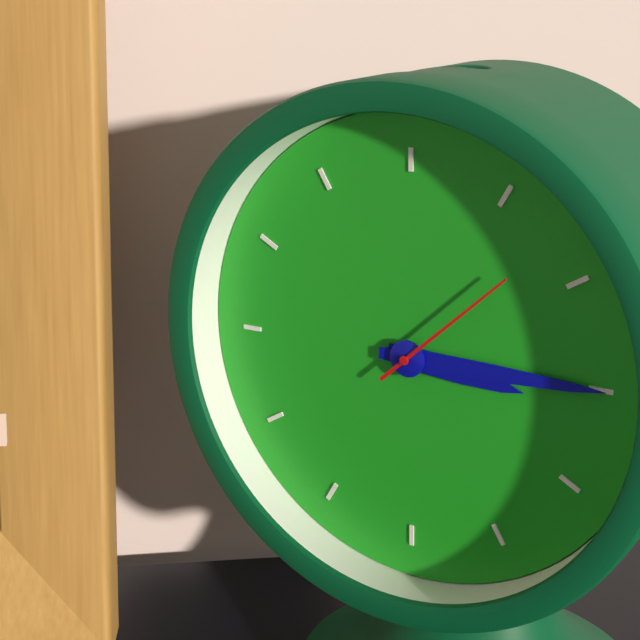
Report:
3:15:08
